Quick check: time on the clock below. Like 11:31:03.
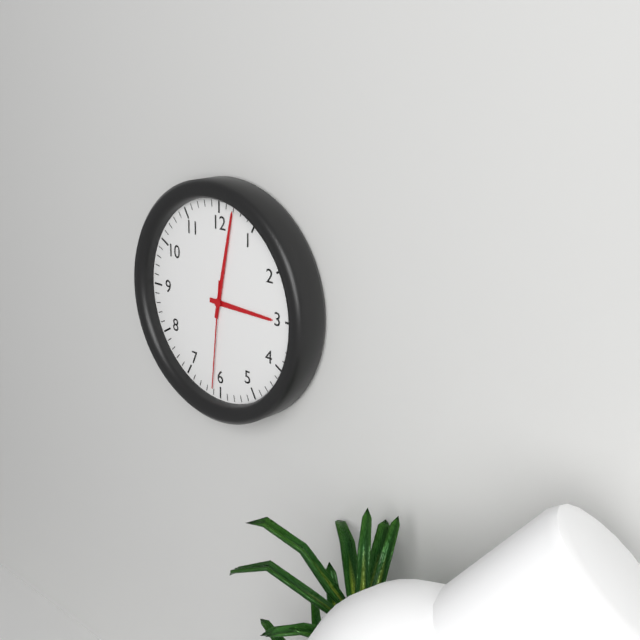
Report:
3:02:31
